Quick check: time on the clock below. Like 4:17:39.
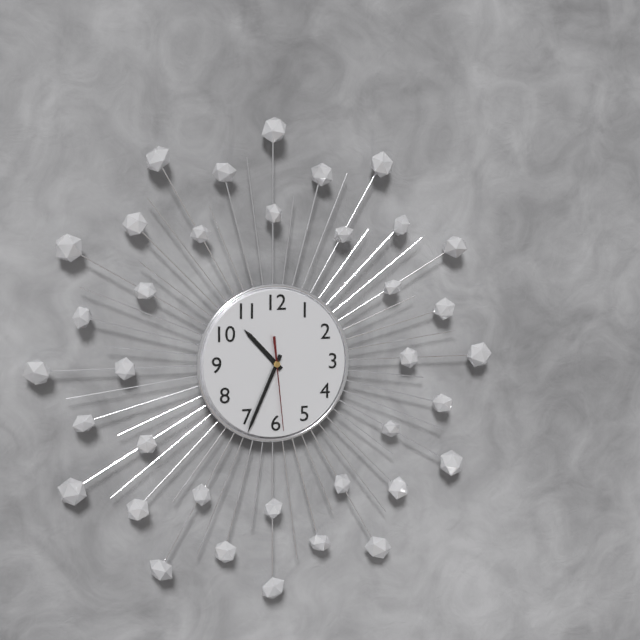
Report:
10:34:29
